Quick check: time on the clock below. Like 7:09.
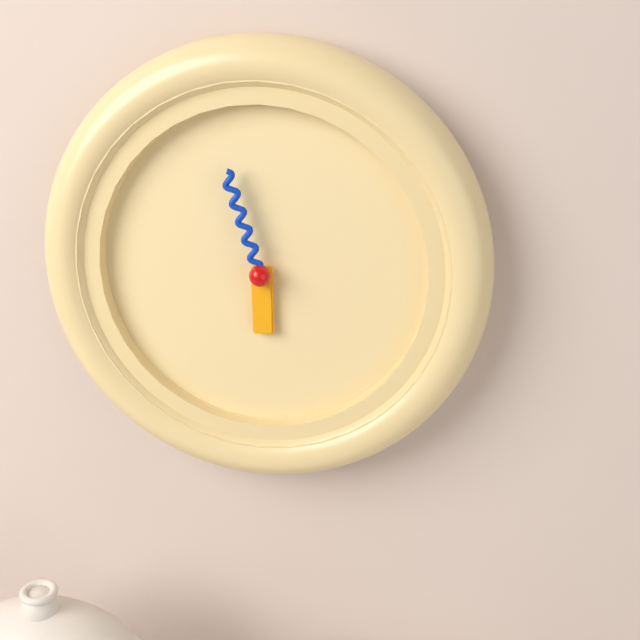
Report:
5:57
